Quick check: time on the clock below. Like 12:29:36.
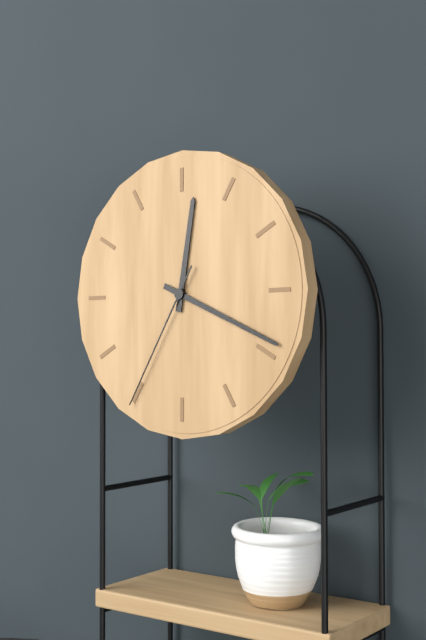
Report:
12:19:35
